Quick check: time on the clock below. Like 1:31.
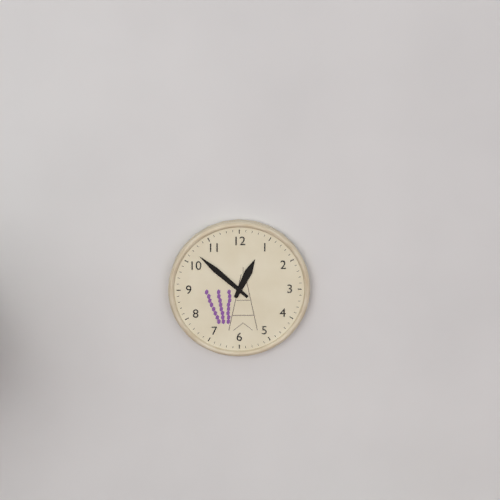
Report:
12:52
